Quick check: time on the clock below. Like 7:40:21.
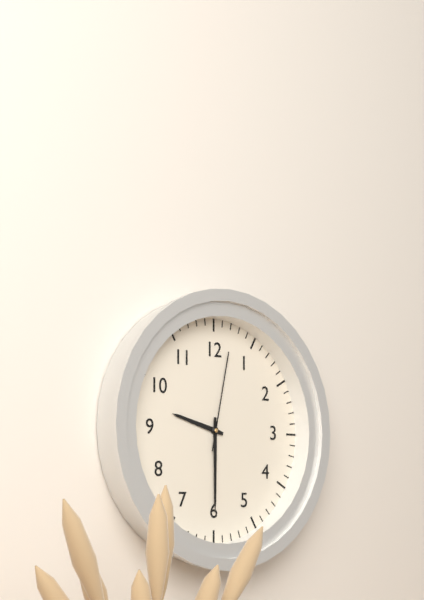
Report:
9:30:02
